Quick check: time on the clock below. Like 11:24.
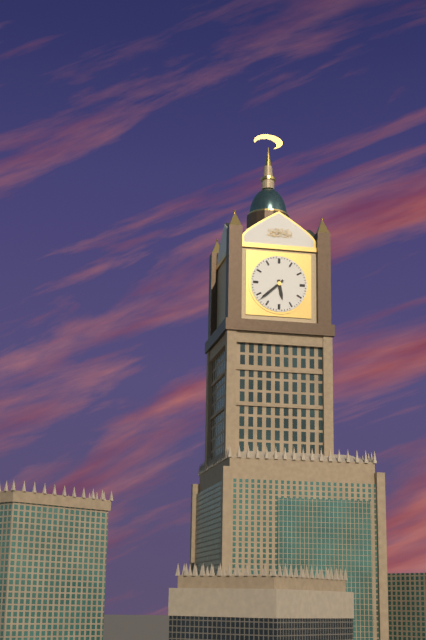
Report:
5:38
